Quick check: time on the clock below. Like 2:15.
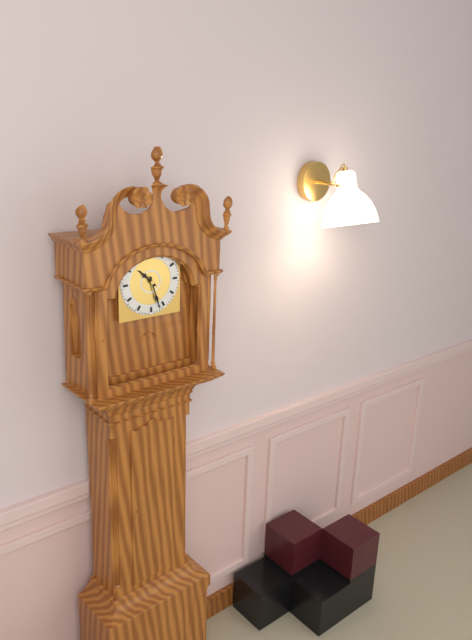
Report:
10:27
